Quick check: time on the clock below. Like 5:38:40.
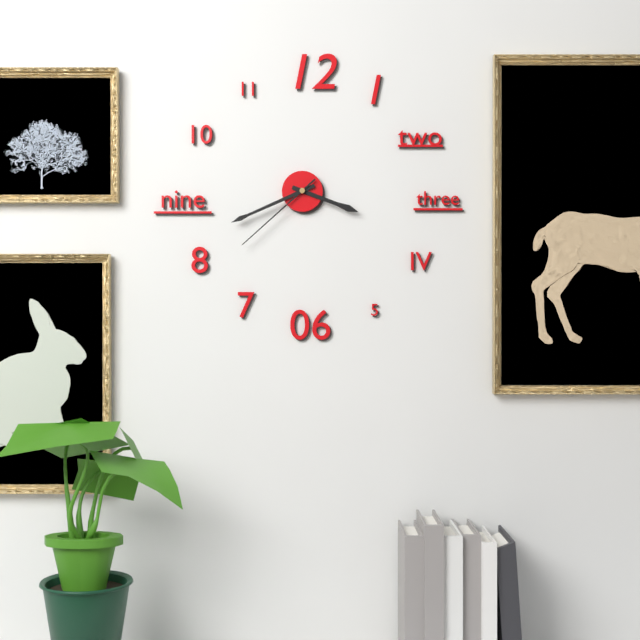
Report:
3:41:38
